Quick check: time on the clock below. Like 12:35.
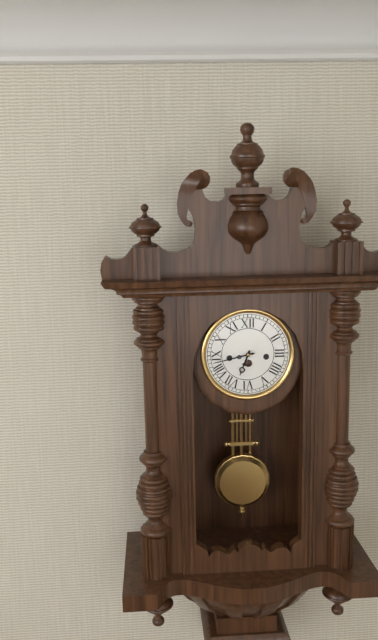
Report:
6:43
